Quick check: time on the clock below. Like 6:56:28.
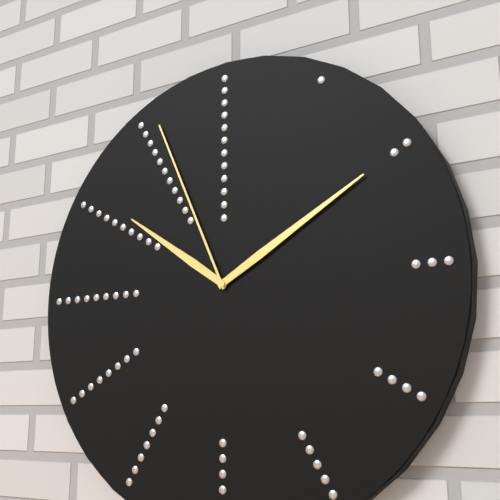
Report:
10:10:56
